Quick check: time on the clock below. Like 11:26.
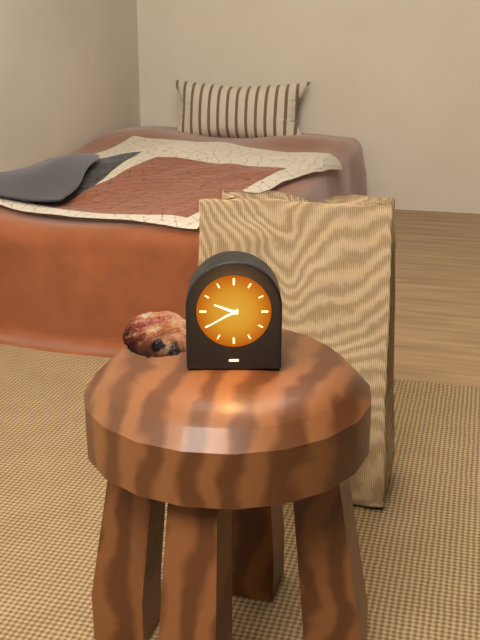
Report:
9:40
